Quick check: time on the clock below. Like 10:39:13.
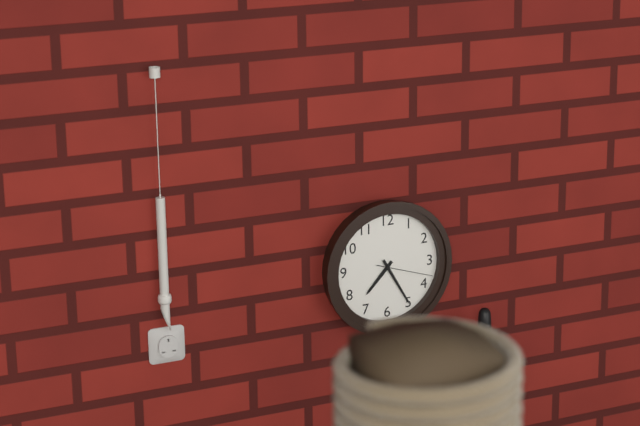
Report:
7:25:18
